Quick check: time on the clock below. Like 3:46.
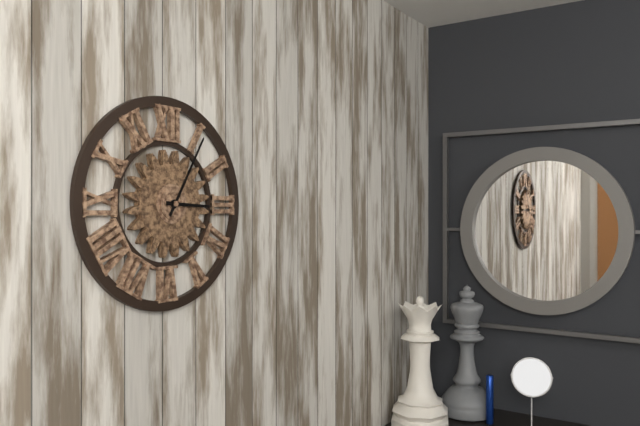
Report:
3:05
